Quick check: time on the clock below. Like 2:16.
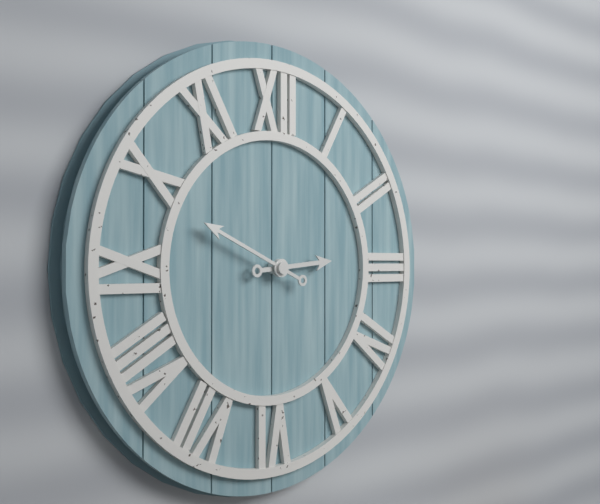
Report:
2:49
